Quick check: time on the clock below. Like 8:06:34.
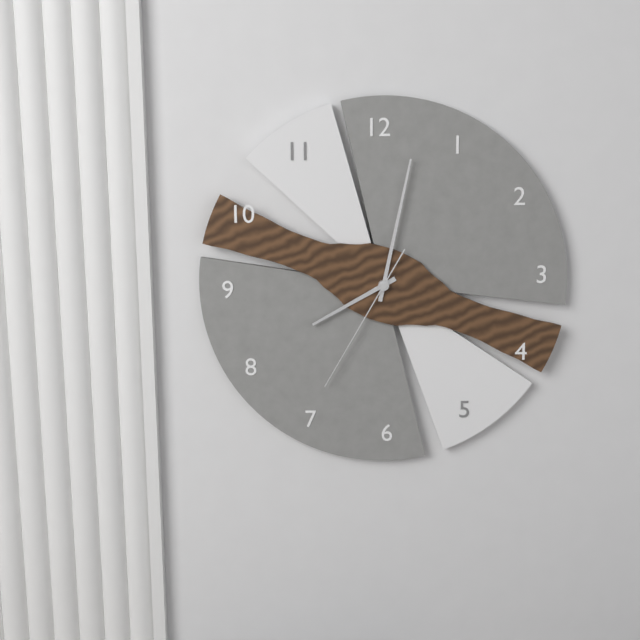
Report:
8:02:35
